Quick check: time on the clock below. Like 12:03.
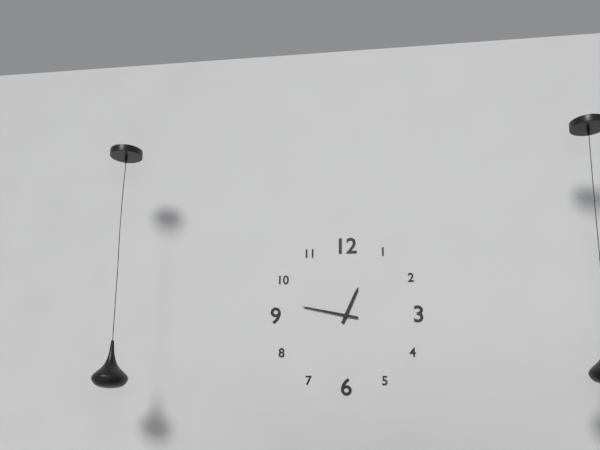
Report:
12:47
